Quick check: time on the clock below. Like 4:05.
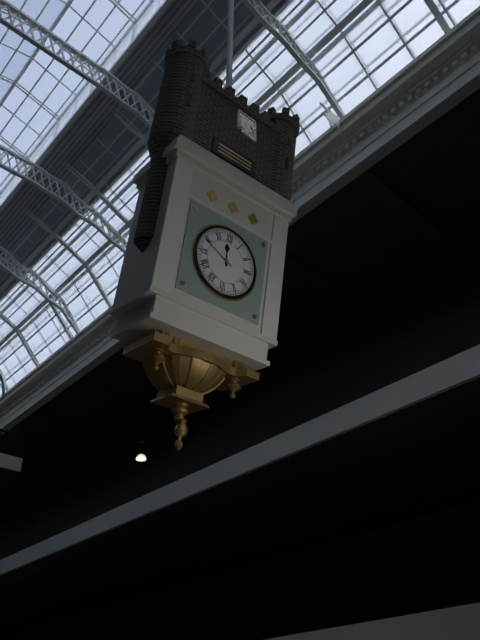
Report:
11:49
